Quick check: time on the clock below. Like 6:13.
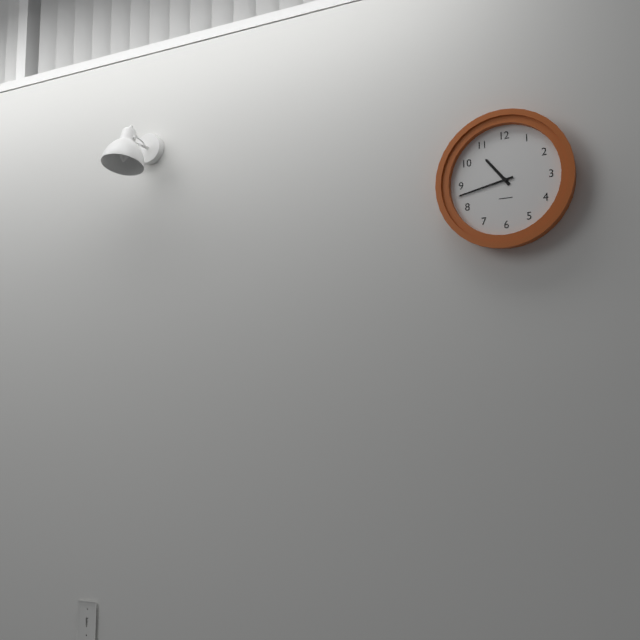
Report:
10:43
